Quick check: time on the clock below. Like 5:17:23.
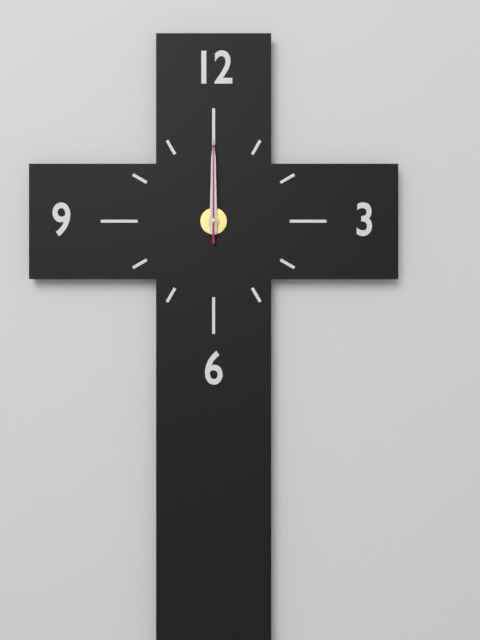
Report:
12:00:00
